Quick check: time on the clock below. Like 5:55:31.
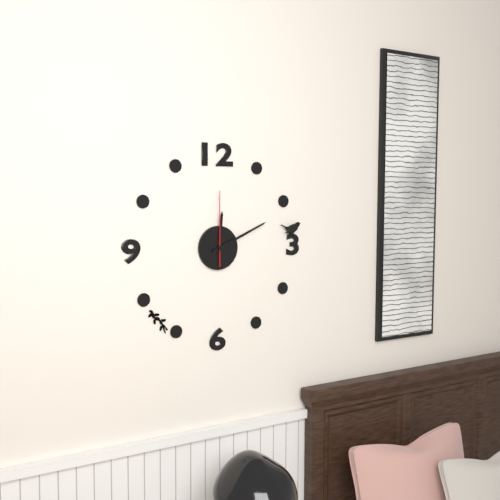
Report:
12:11:00
